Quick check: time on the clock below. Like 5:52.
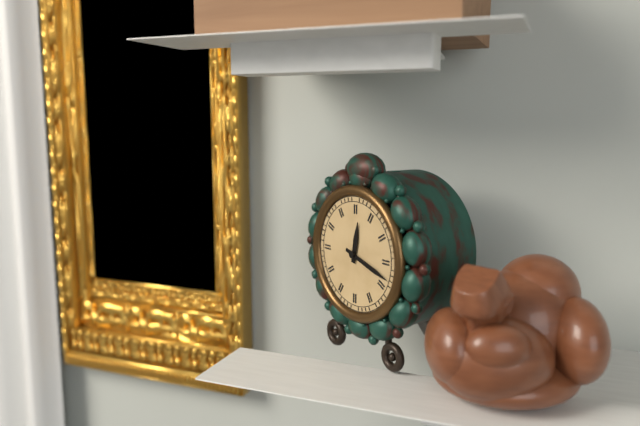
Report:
12:18
